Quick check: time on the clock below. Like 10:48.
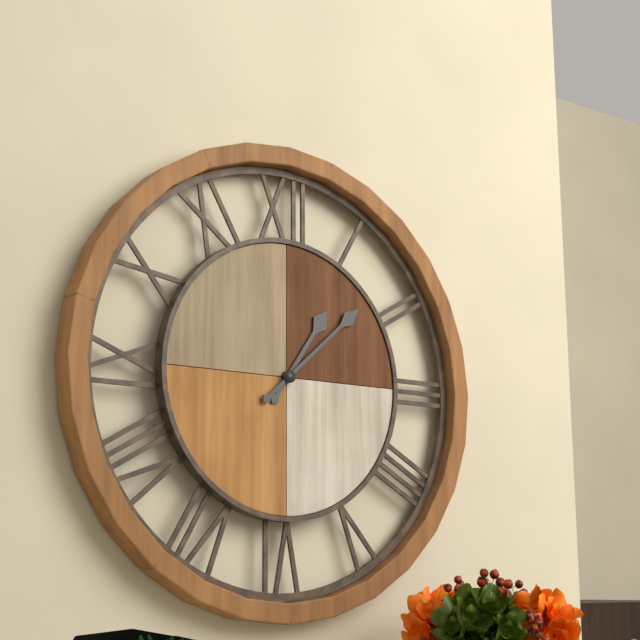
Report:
1:08
